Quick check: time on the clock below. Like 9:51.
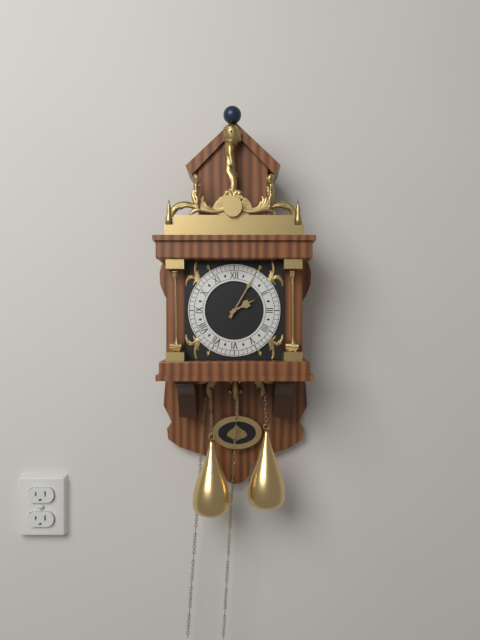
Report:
2:05
